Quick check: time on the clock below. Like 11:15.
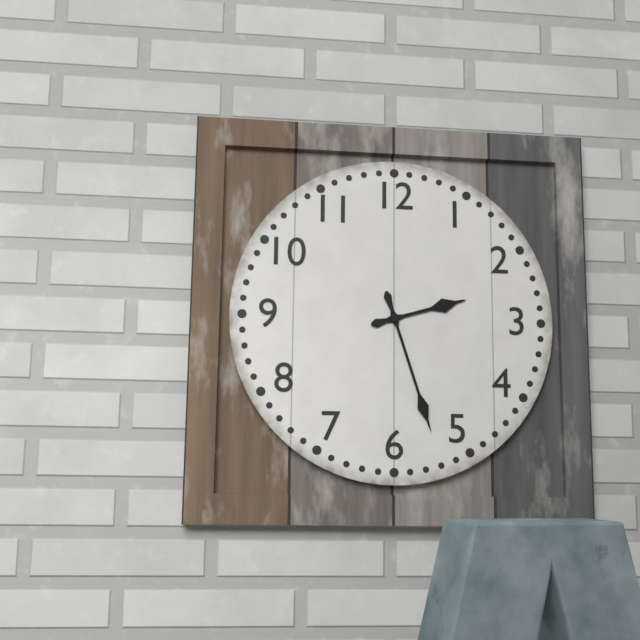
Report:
2:27
